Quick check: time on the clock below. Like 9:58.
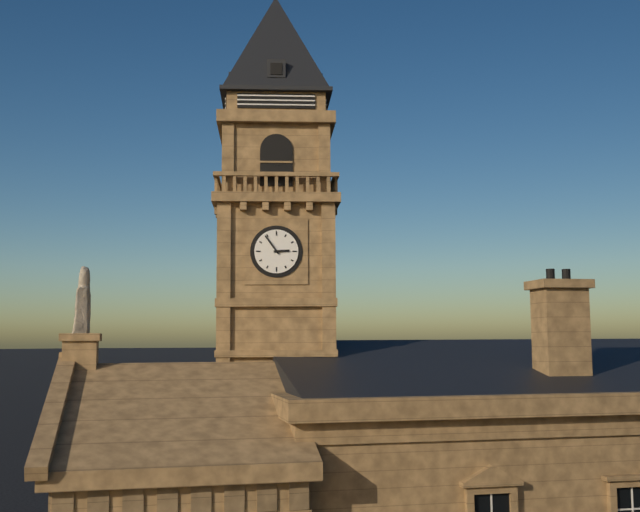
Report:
2:54
